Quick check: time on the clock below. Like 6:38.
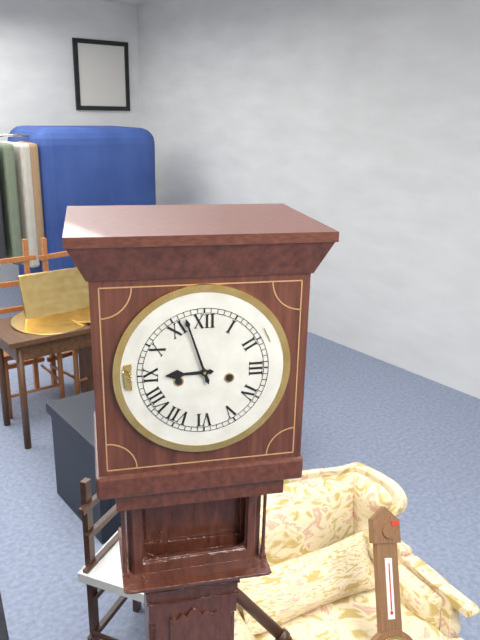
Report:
8:57
